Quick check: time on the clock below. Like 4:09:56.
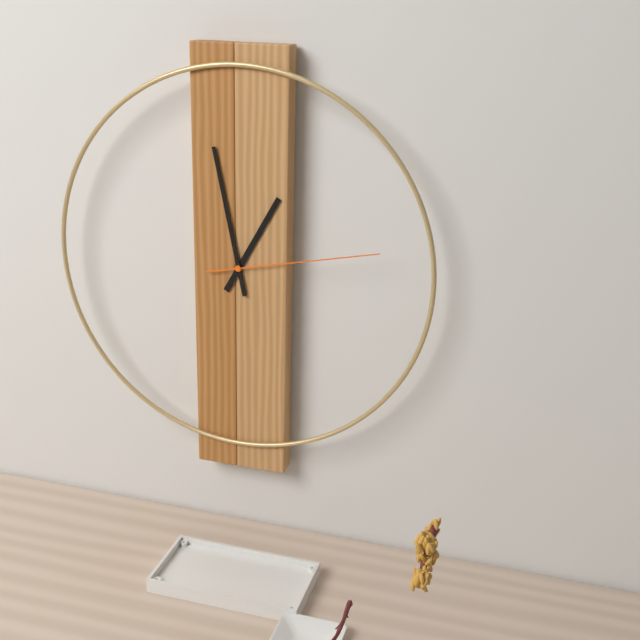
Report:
12:58:13
